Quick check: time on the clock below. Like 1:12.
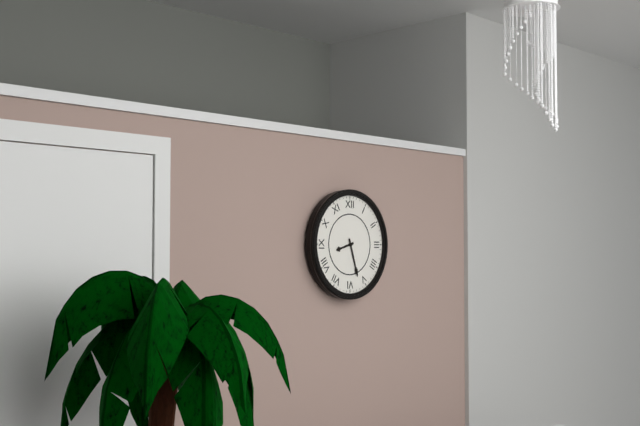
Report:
8:27
